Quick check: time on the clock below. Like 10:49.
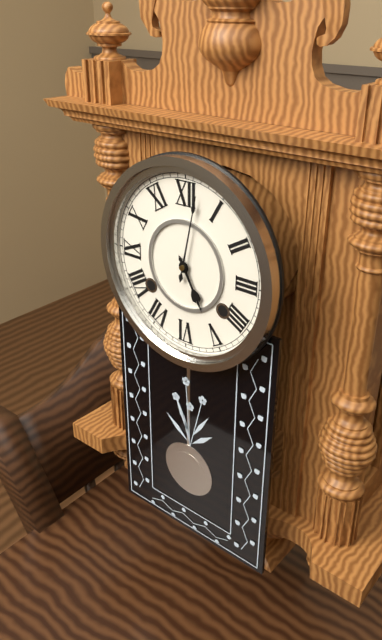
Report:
5:02
